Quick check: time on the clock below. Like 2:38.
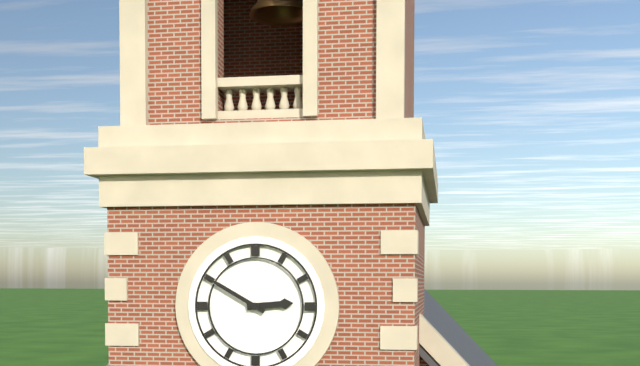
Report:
2:50
